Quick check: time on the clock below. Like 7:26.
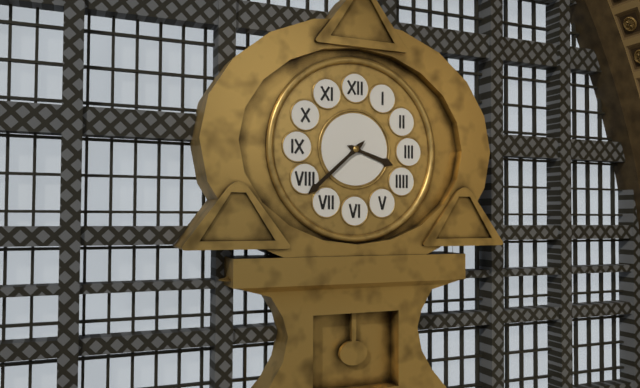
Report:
3:38
